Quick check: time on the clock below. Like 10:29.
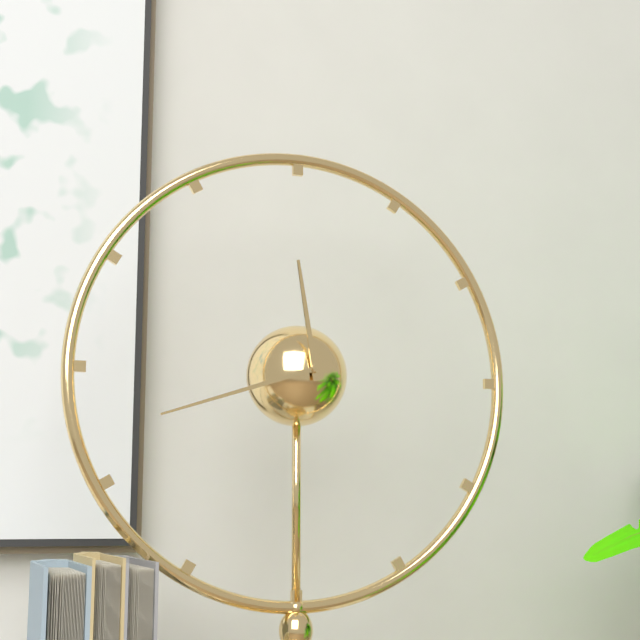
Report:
11:42
